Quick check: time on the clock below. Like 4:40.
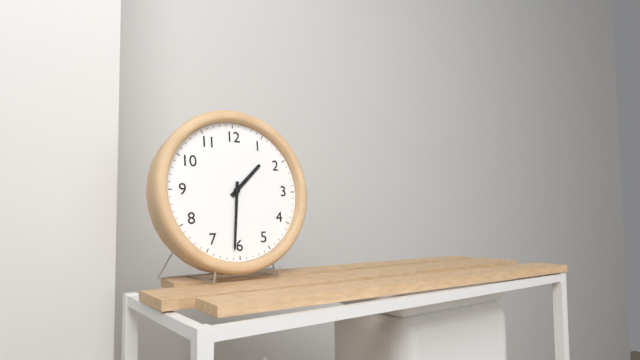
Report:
1:31
